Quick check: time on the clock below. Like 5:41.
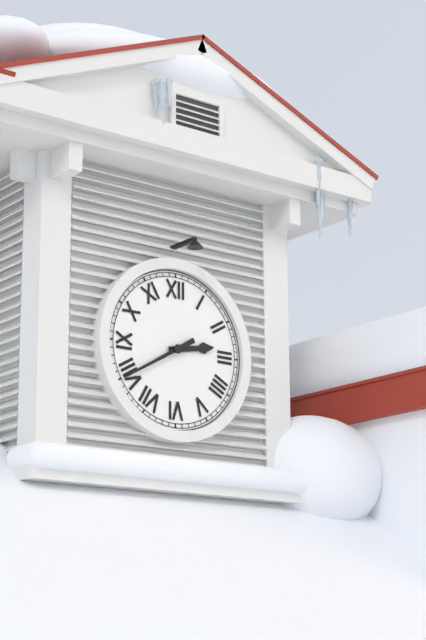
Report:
2:40
